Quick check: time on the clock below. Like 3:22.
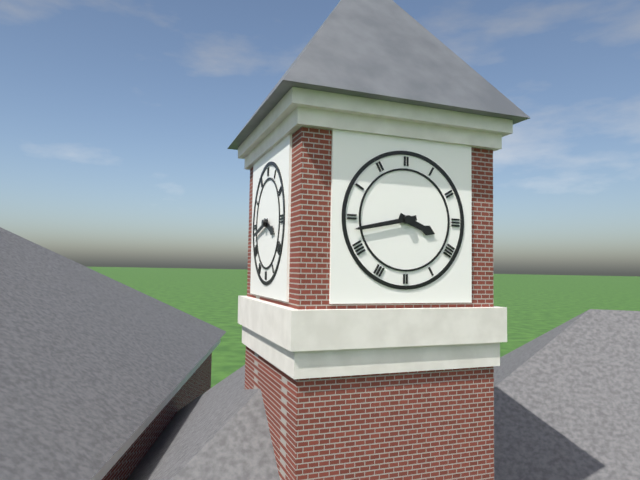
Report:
3:43
